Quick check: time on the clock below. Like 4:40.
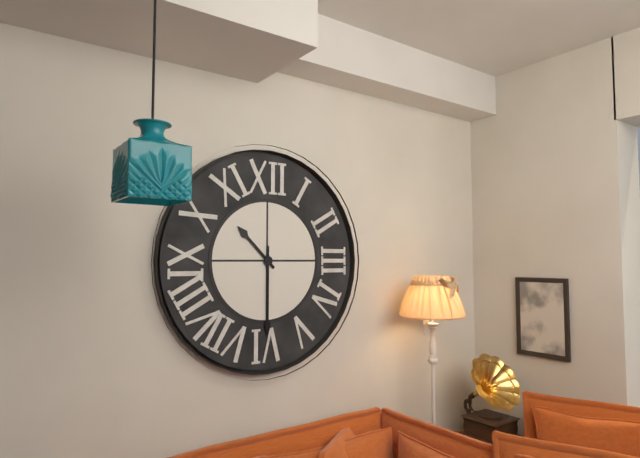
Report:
10:30
